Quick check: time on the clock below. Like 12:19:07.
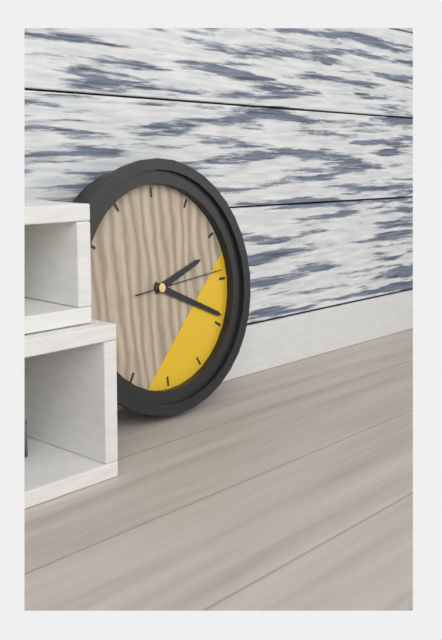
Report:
2:19:14
